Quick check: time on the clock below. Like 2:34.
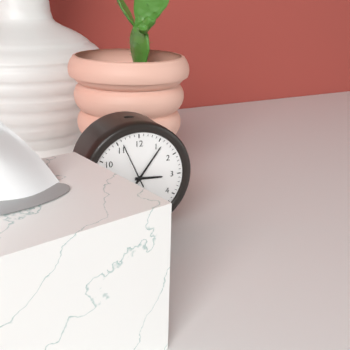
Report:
3:06
